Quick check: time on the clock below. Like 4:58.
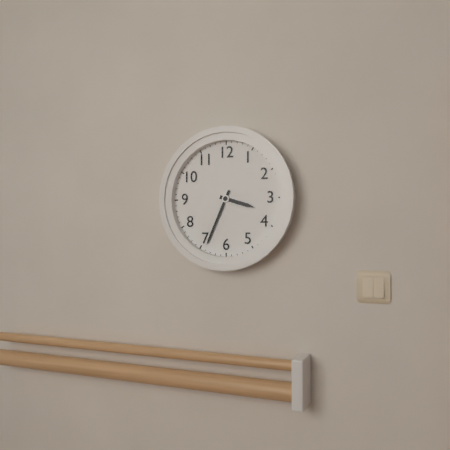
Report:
3:34
